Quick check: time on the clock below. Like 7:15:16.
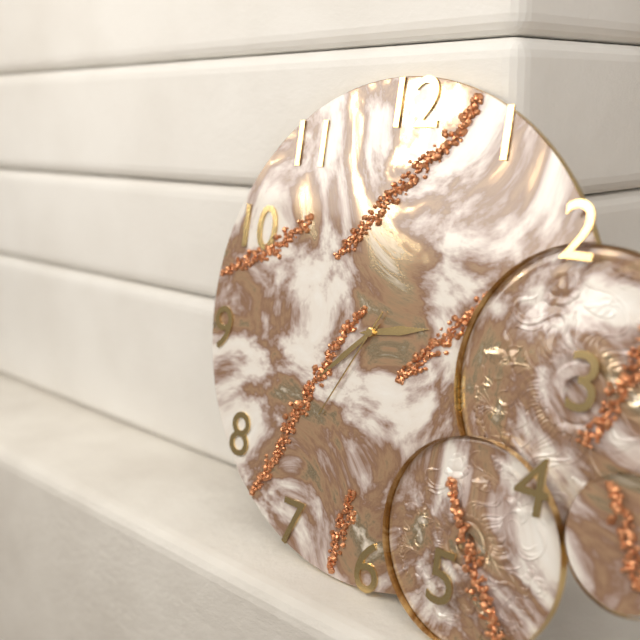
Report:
2:38:35
